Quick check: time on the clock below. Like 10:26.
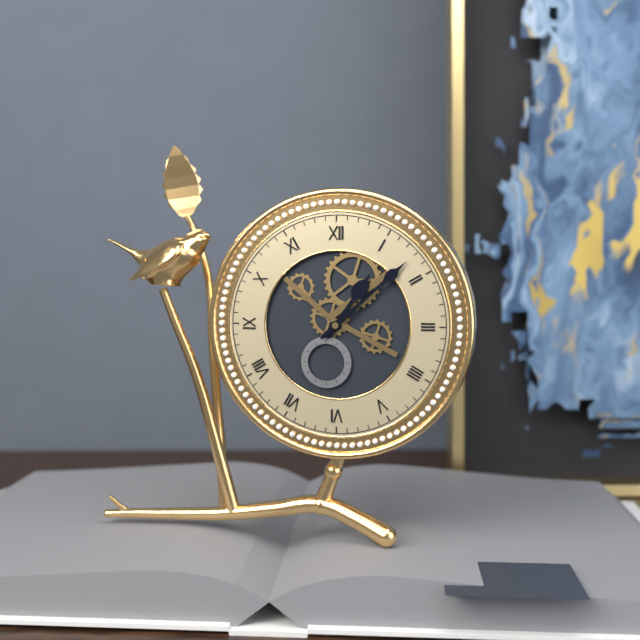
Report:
1:08
